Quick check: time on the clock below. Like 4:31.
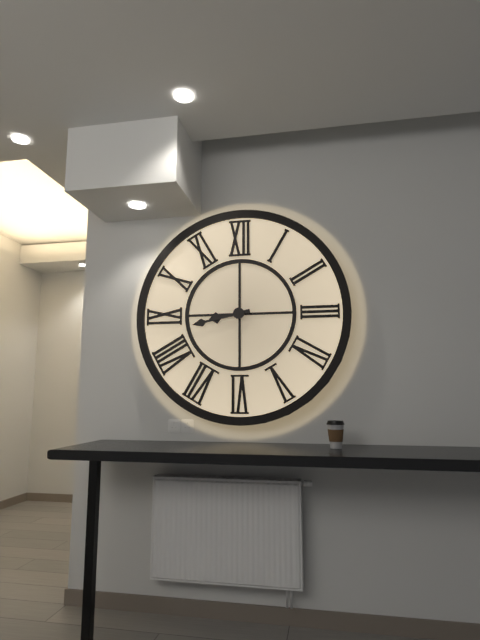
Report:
8:43
